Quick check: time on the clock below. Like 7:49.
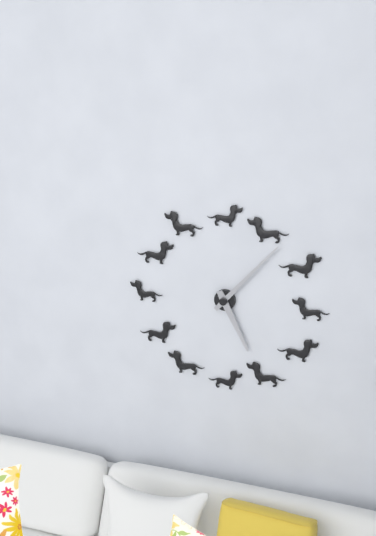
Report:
5:07
